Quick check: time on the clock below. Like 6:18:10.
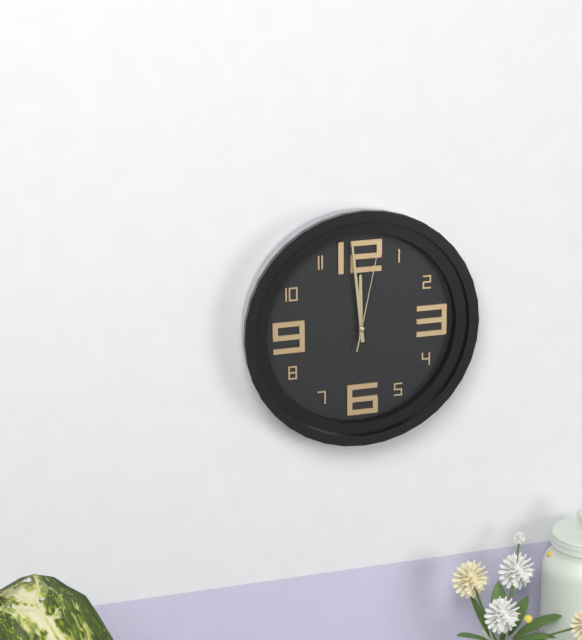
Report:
11:59:02
